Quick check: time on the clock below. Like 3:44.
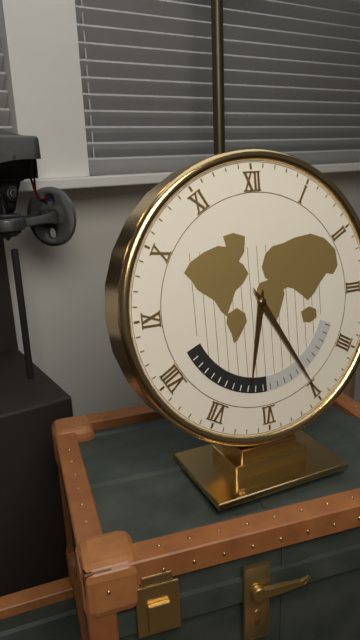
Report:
6:25
